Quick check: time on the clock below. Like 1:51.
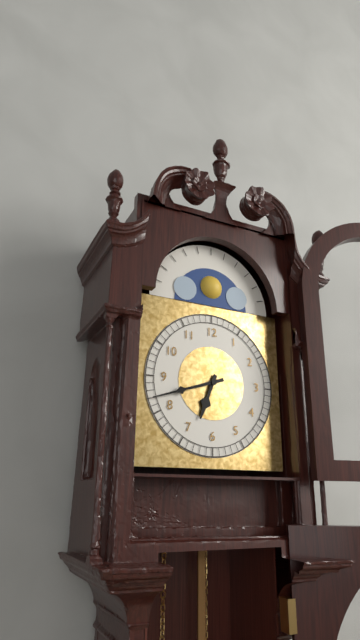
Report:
6:42
